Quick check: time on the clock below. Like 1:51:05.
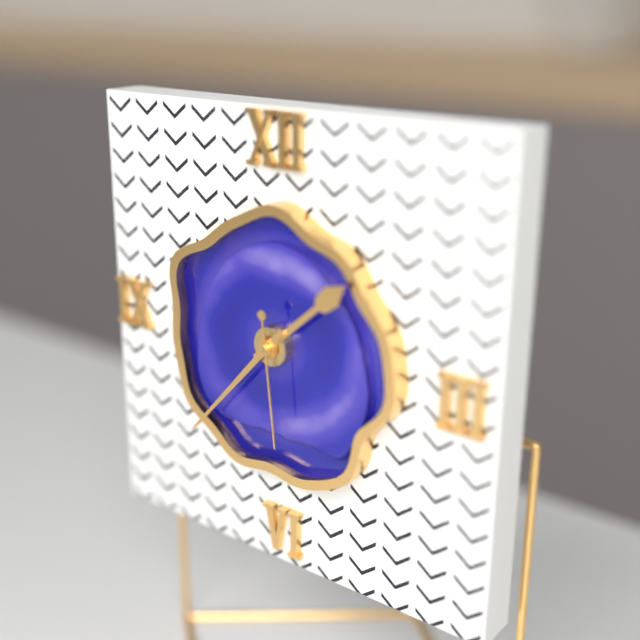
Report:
1:37:29
